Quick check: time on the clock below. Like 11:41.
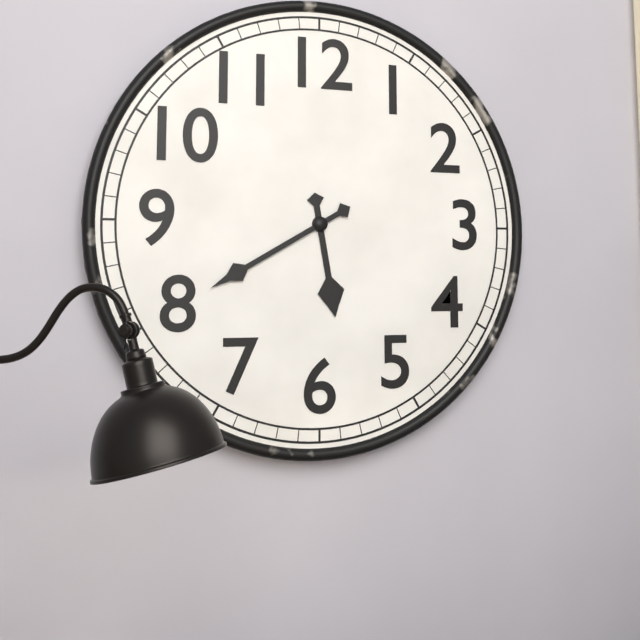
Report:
5:40
